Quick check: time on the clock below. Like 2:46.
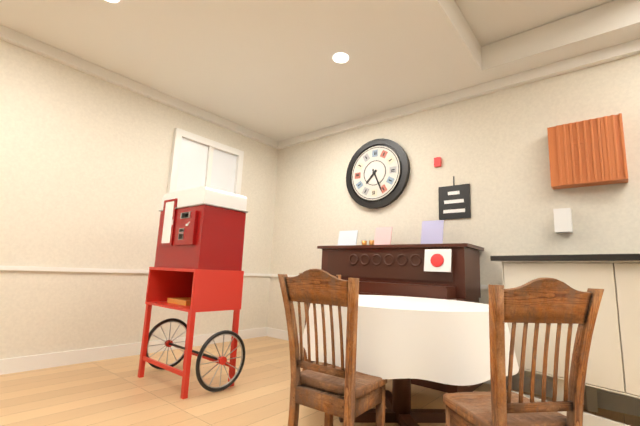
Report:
7:26
